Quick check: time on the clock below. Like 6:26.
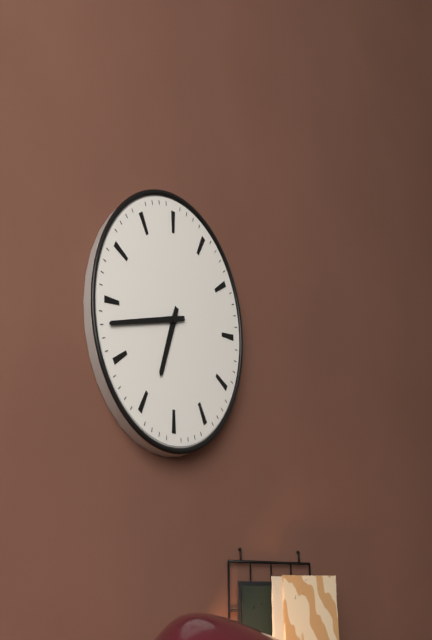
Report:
6:43
